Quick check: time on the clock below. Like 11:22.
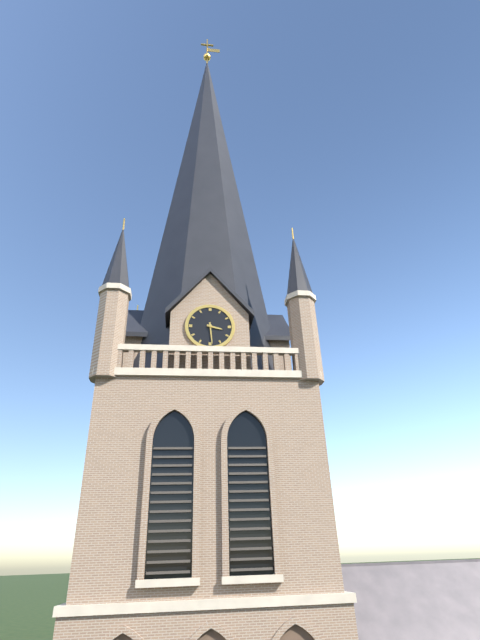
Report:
3:29
